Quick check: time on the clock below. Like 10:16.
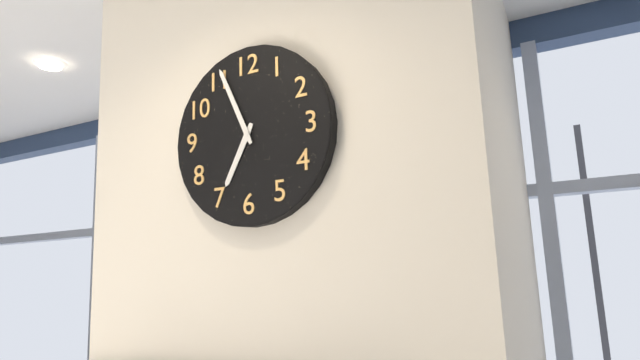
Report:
6:56
